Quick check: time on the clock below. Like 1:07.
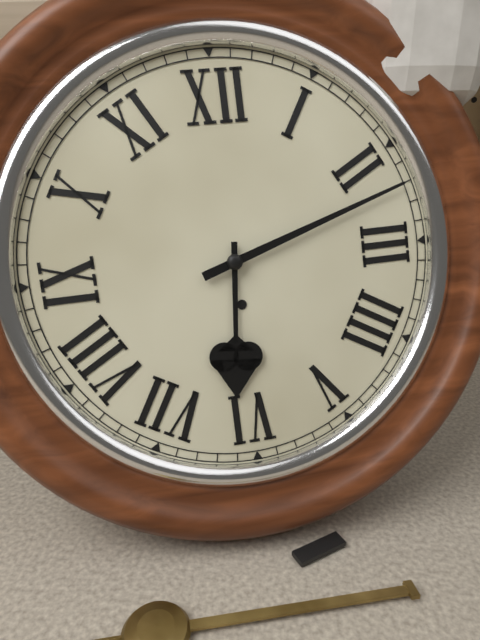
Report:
6:12
